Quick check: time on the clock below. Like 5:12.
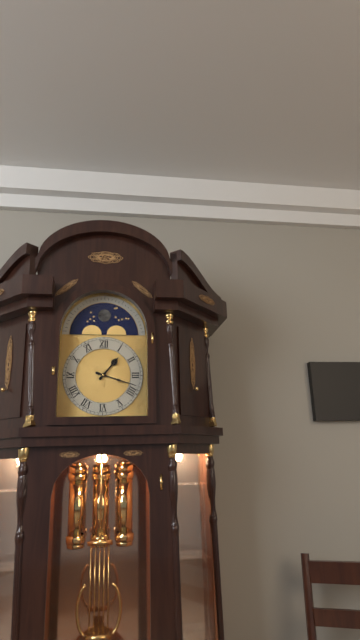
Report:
1:18
